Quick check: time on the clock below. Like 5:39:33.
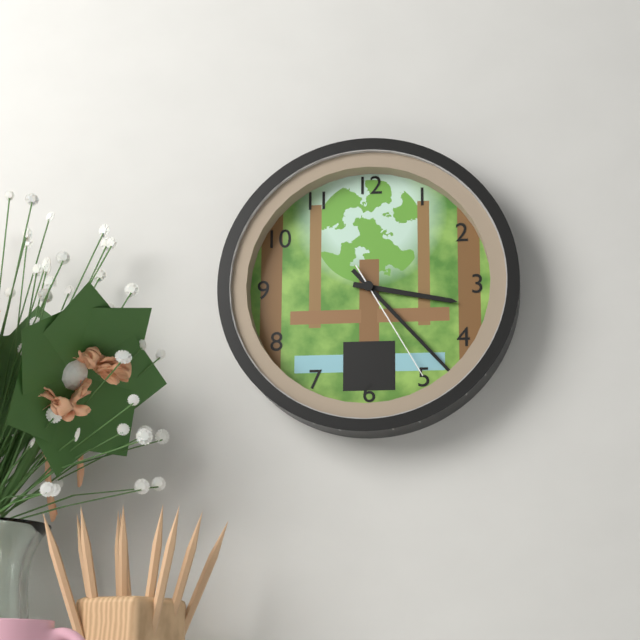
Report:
3:23:25
